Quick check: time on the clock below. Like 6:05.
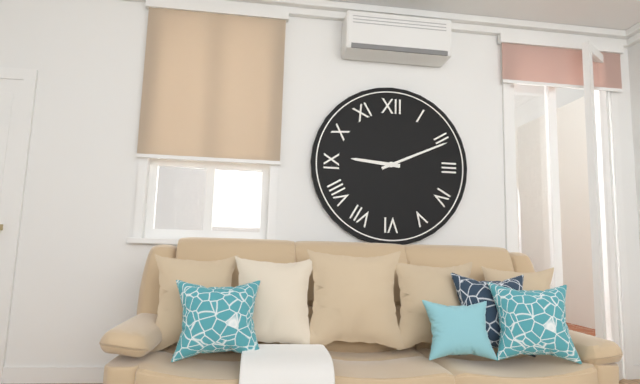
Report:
9:11
